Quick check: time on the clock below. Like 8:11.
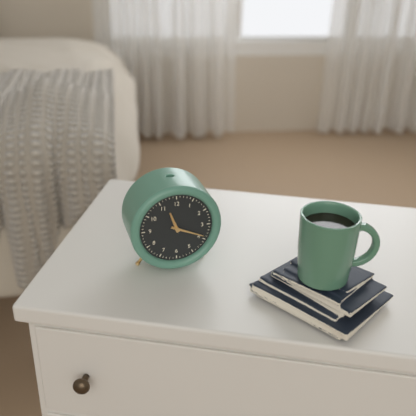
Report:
11:19
